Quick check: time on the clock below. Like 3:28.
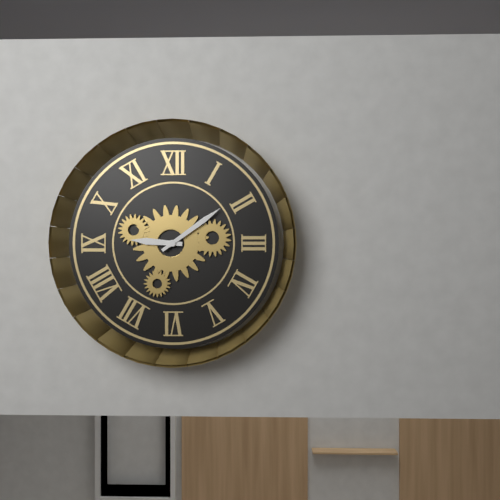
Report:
9:09
